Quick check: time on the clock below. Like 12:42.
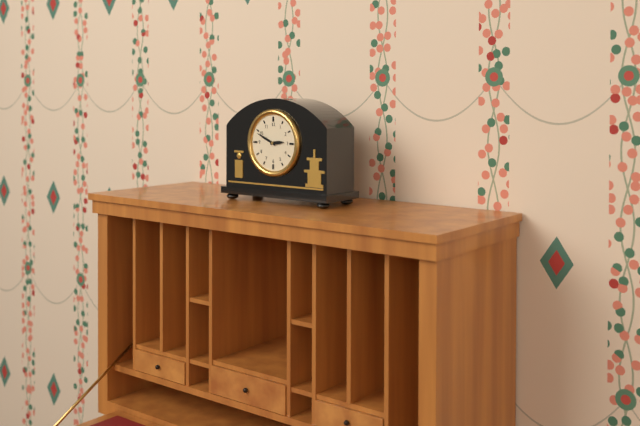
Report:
2:49
